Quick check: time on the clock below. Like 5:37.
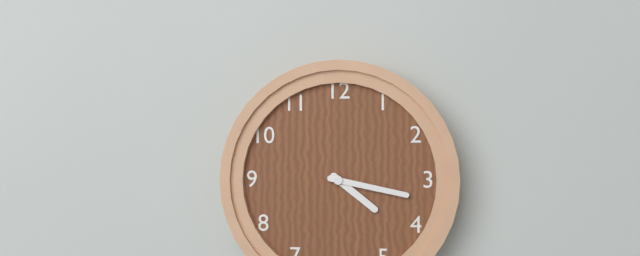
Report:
4:17
